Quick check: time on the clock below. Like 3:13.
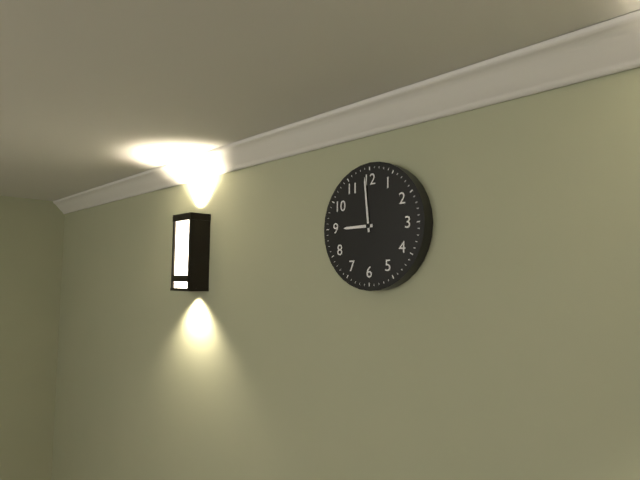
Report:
8:59
